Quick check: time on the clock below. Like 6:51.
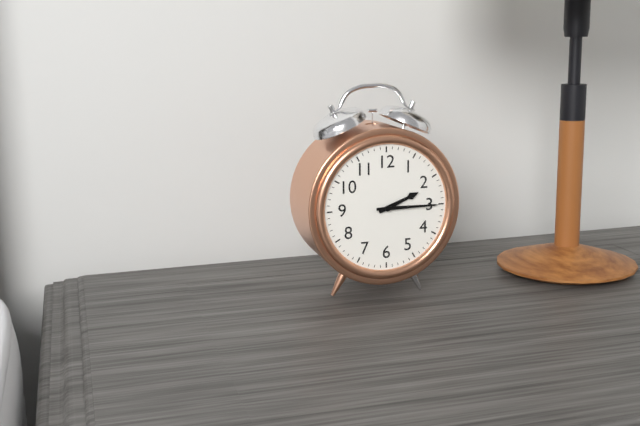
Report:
2:15
